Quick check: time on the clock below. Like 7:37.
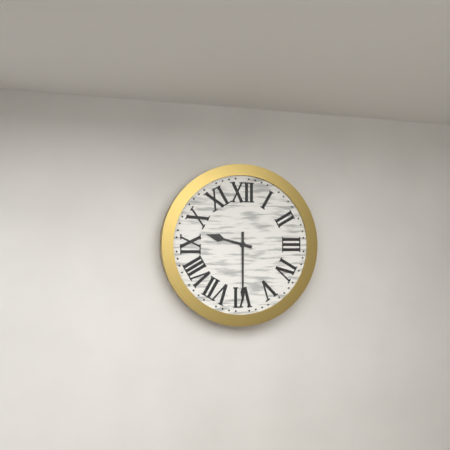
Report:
9:30
